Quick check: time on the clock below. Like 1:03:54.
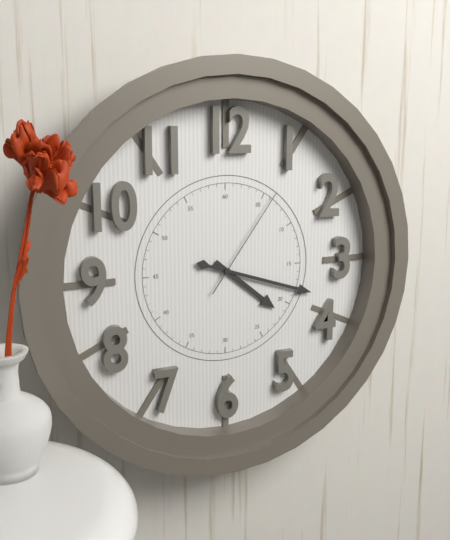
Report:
4:18:06
